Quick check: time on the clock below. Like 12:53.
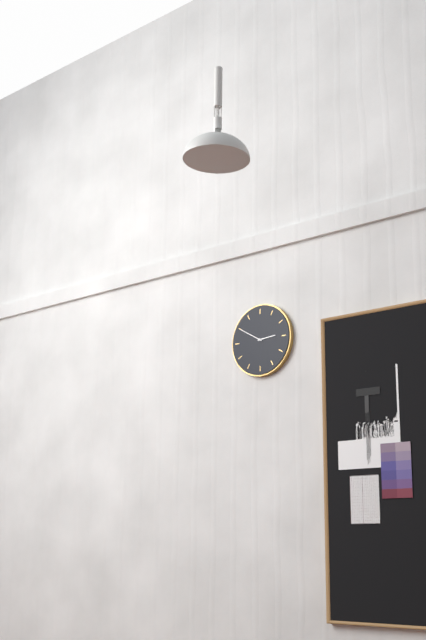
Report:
2:50
